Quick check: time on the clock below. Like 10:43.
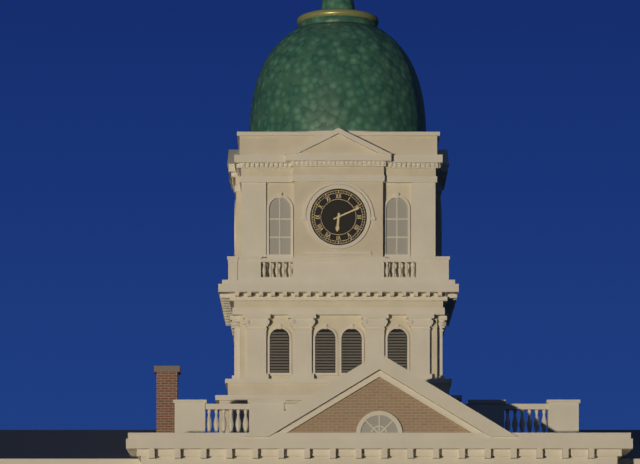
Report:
6:11
